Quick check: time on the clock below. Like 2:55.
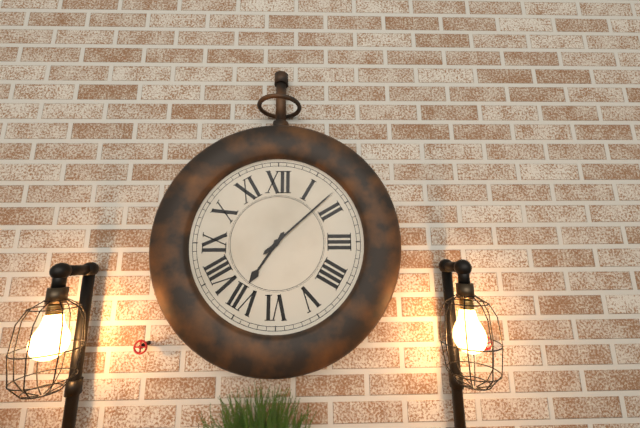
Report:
7:08
